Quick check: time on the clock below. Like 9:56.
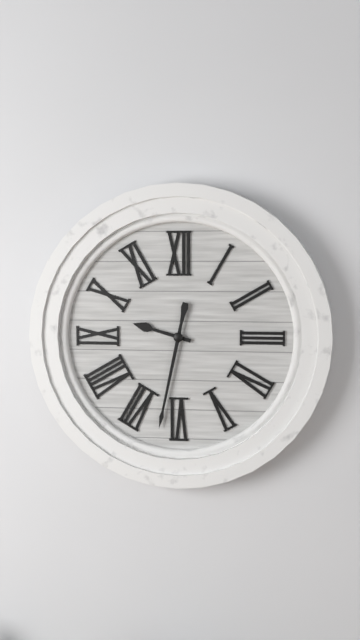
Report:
9:32
